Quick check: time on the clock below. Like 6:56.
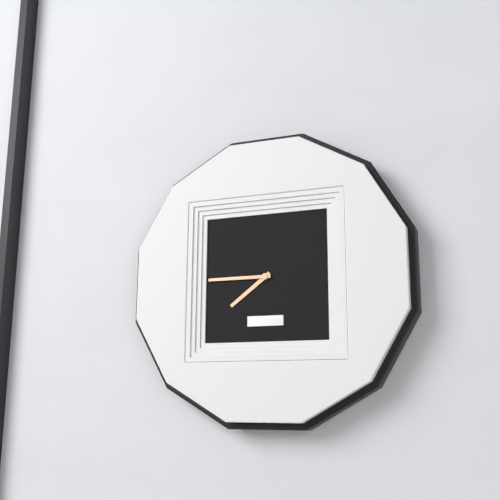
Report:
7:45
